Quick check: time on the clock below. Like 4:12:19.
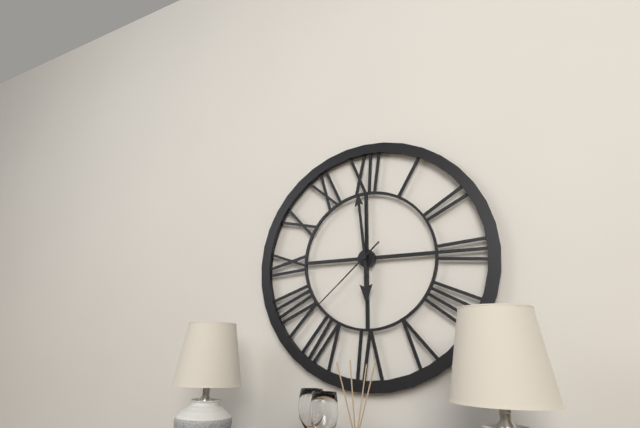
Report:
5:59:38
